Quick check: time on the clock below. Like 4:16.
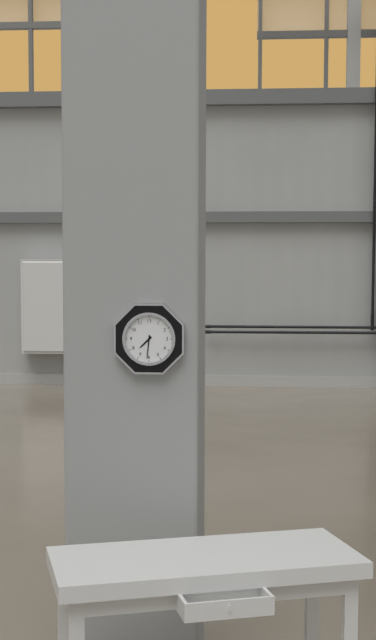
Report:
7:31
